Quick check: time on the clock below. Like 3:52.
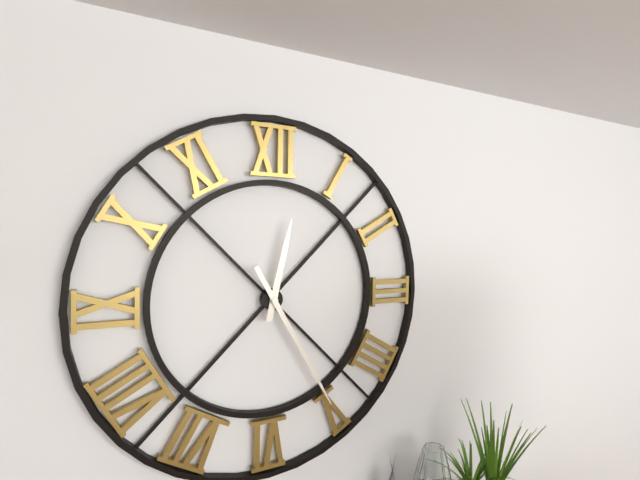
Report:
12:25
